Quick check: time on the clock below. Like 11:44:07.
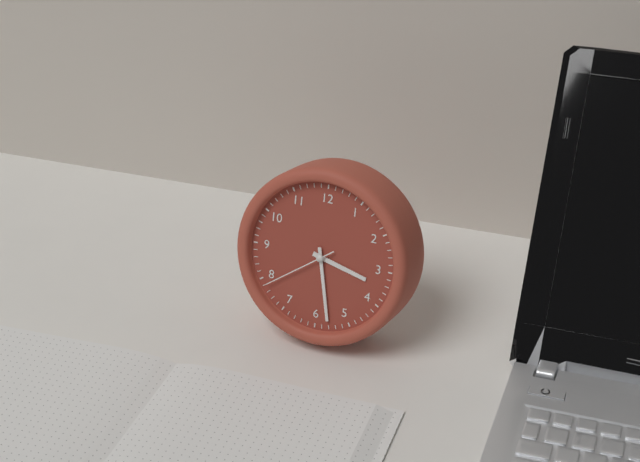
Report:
3:28:39
